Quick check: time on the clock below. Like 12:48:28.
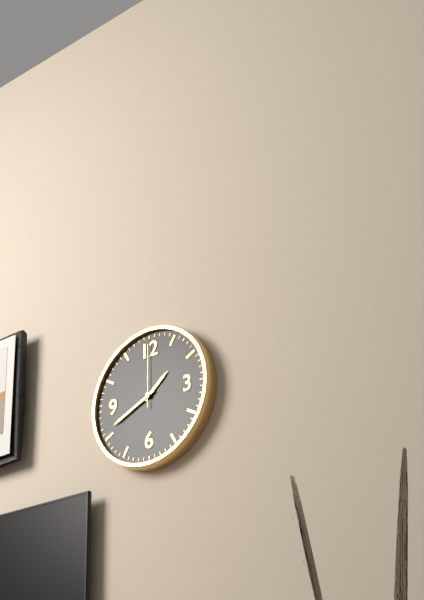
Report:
1:41:00
